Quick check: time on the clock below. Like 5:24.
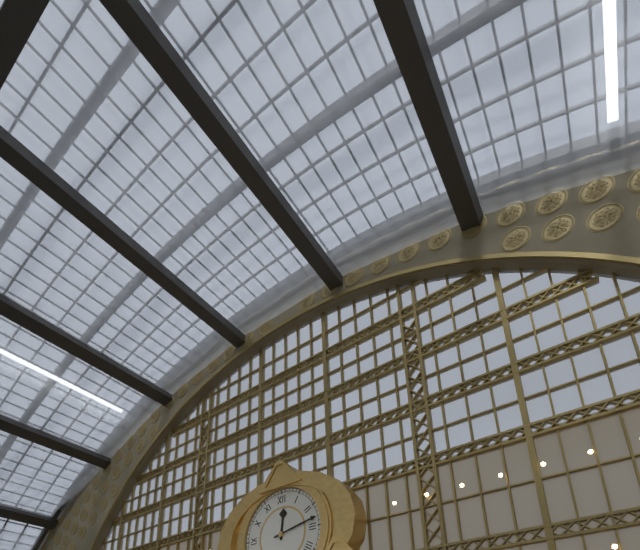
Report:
12:13
